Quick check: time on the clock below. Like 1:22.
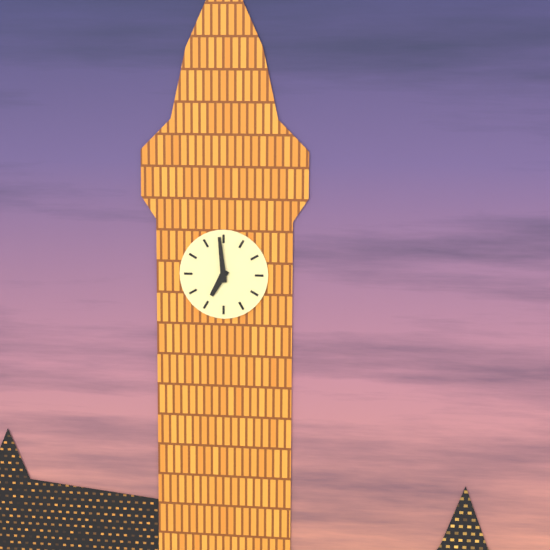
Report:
6:59
